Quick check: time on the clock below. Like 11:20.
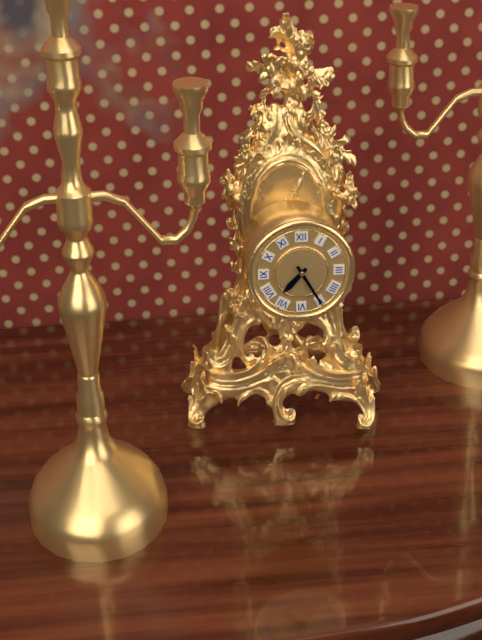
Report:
7:25
